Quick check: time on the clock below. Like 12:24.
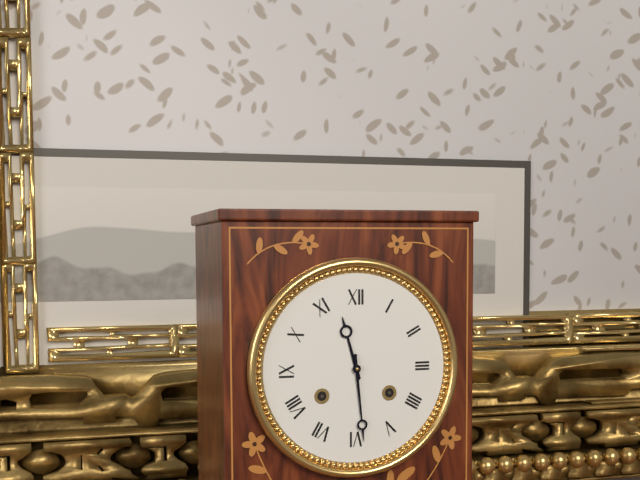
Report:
11:29
